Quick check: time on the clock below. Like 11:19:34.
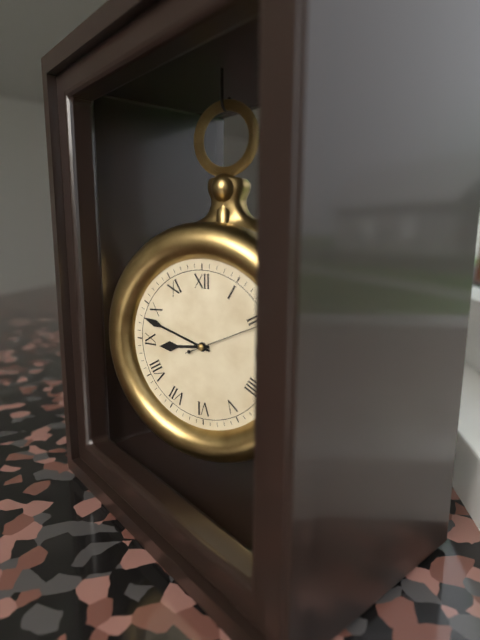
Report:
8:48:11
